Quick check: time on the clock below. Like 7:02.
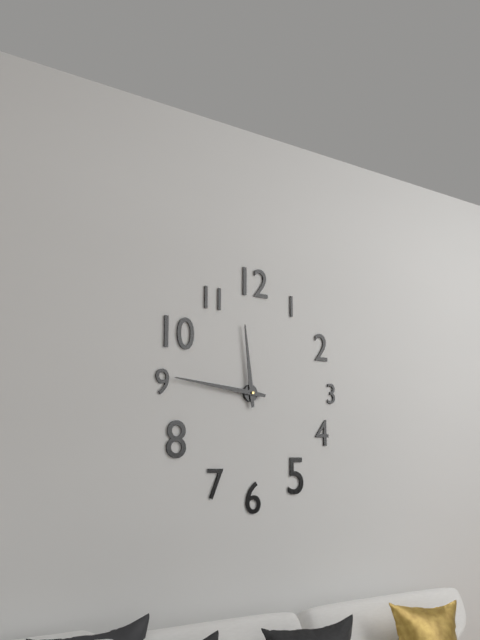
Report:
11:46
